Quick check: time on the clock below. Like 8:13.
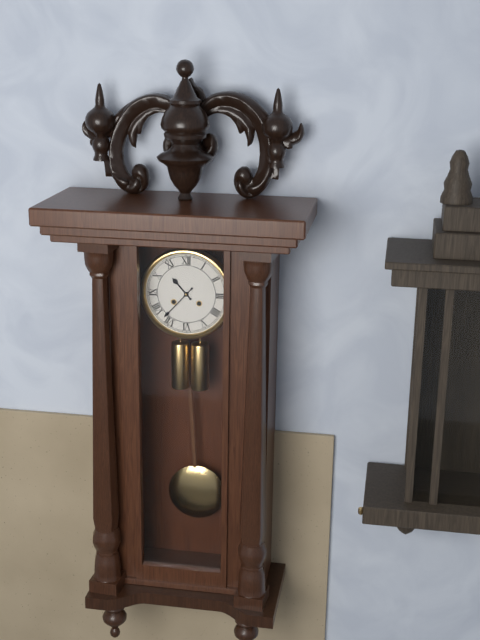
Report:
10:37
